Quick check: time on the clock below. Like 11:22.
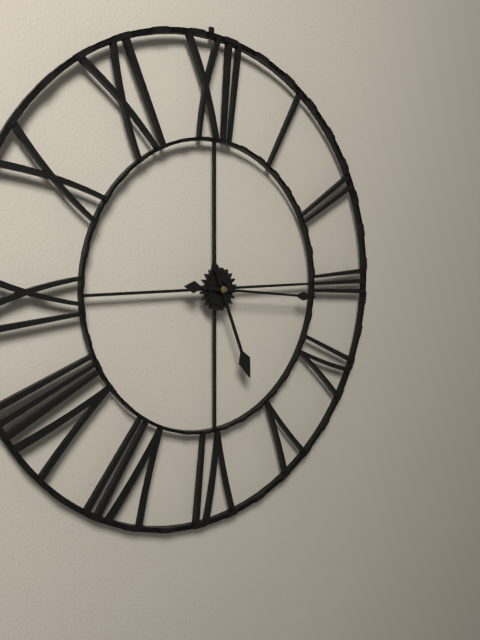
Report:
5:16
